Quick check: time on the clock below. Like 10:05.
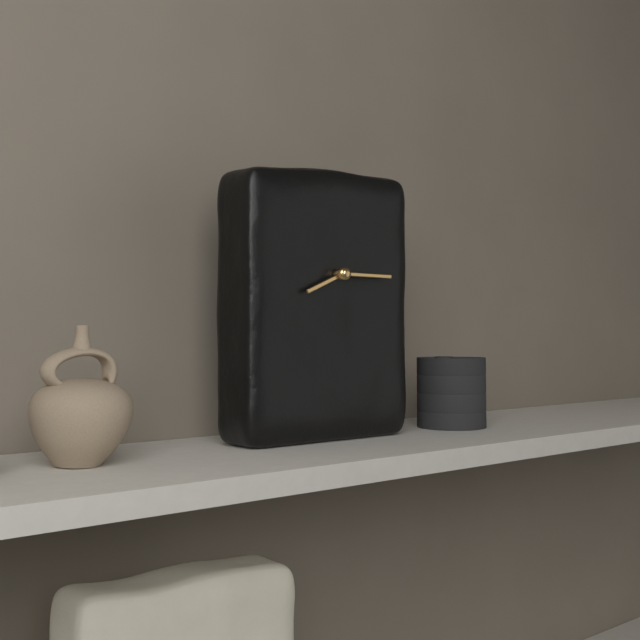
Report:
8:15
